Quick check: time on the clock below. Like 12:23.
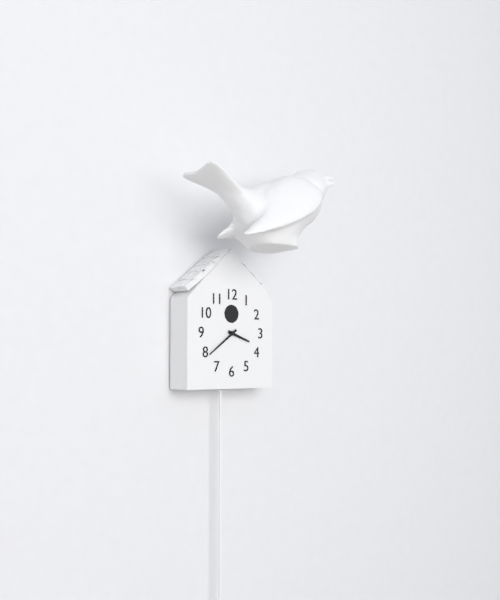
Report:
3:39
